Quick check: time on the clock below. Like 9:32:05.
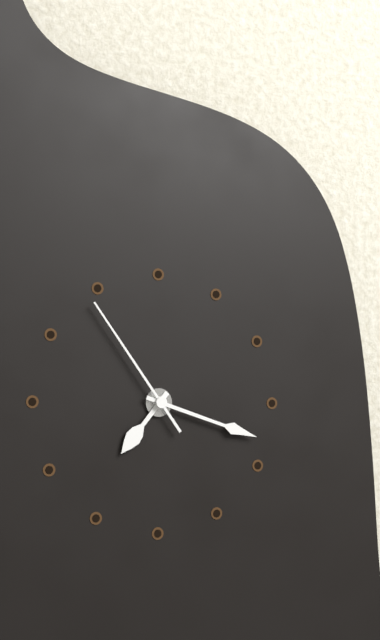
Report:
7:18:54
